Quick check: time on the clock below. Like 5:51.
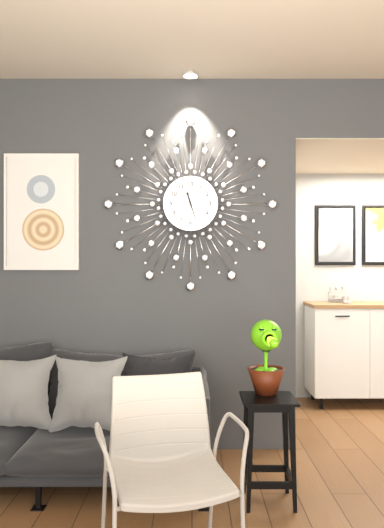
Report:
11:27
